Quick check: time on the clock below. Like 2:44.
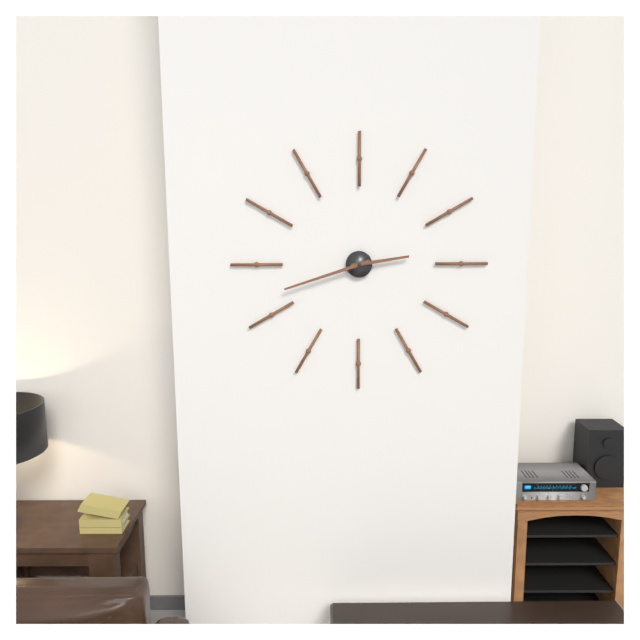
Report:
2:42
